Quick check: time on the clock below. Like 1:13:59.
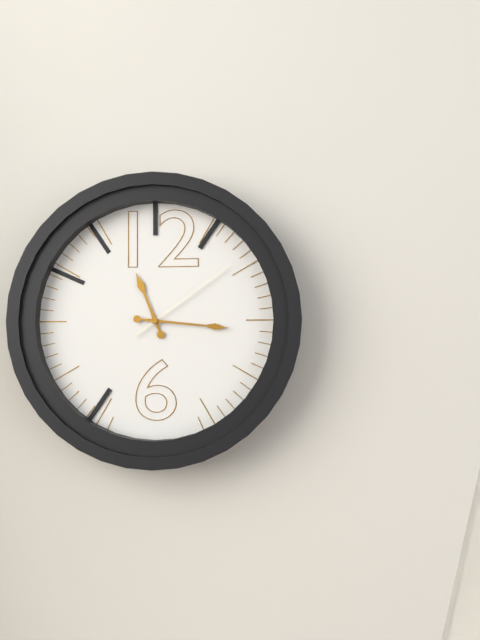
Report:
11:16:09
